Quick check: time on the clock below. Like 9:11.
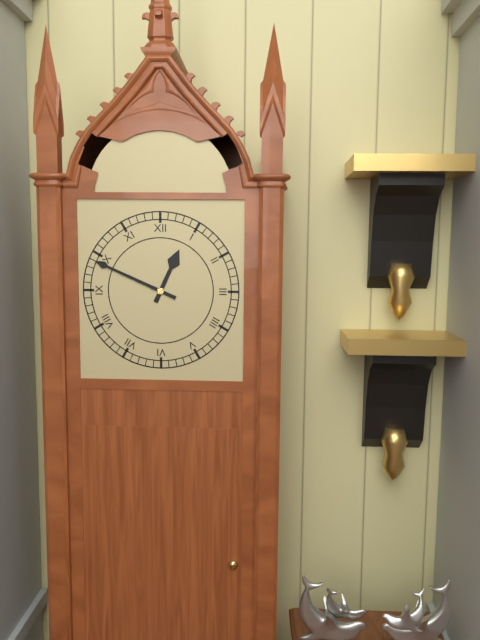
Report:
12:49
